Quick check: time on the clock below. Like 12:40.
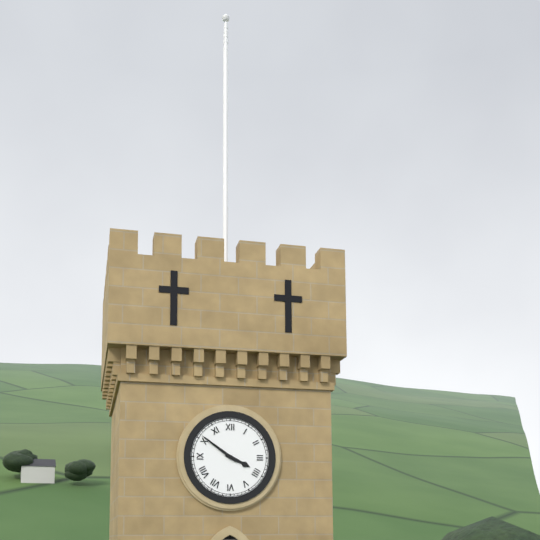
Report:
3:51
